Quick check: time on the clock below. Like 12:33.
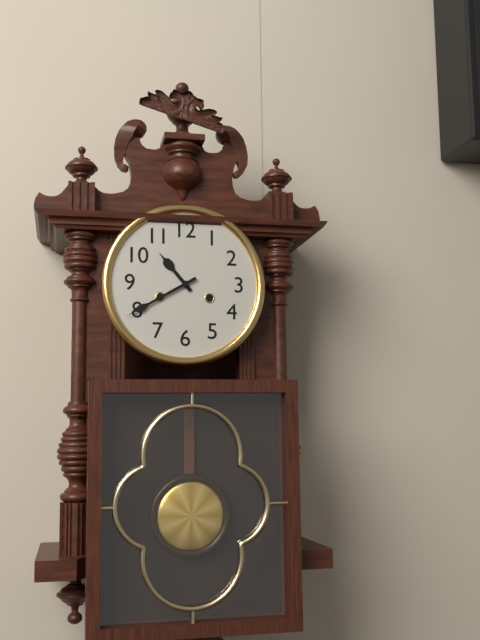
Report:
10:40
